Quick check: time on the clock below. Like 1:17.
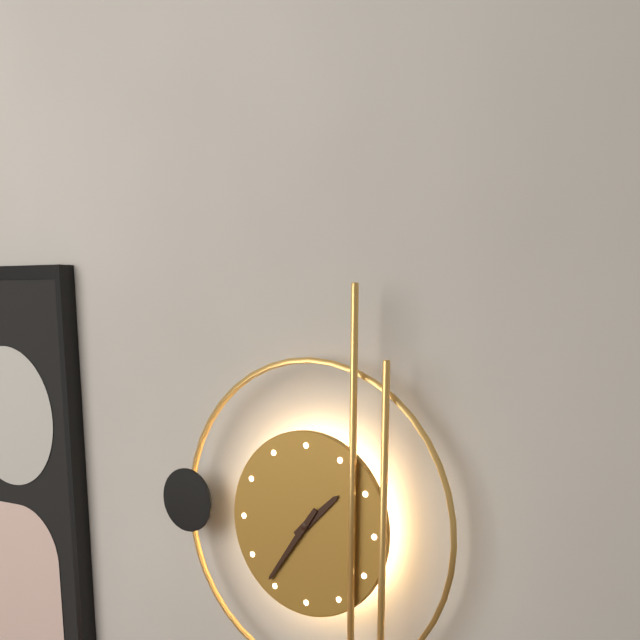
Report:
1:36
